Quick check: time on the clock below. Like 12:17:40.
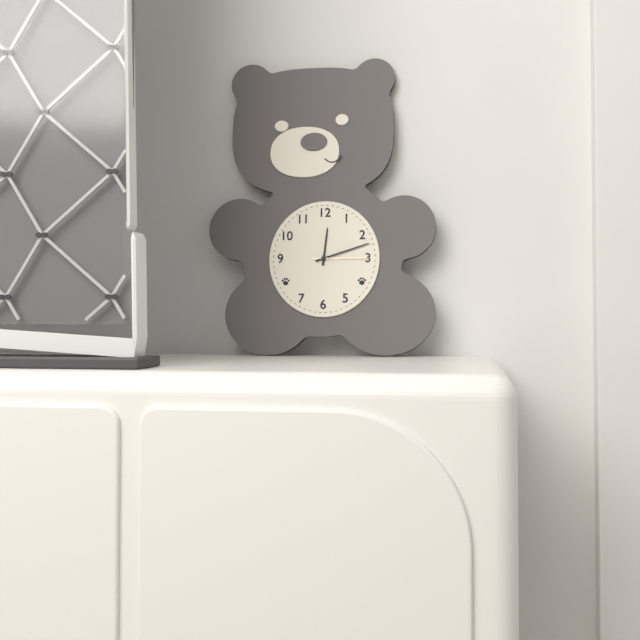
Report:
12:12:15
